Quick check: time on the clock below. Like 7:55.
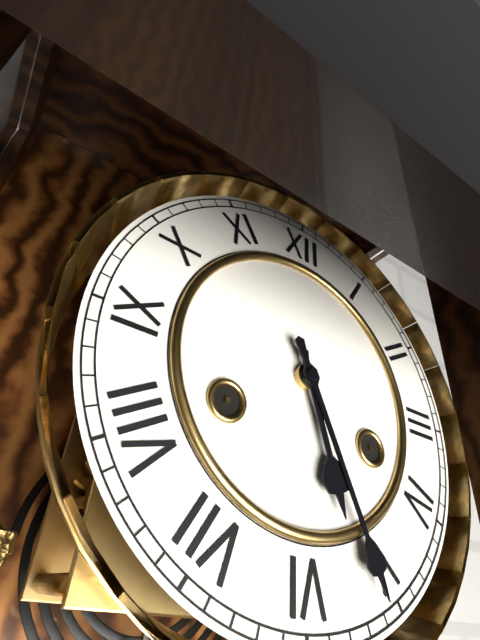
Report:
5:26
